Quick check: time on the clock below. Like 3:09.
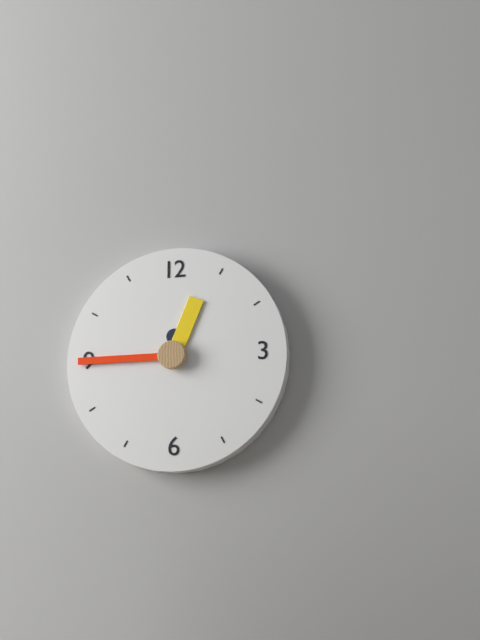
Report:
12:45
